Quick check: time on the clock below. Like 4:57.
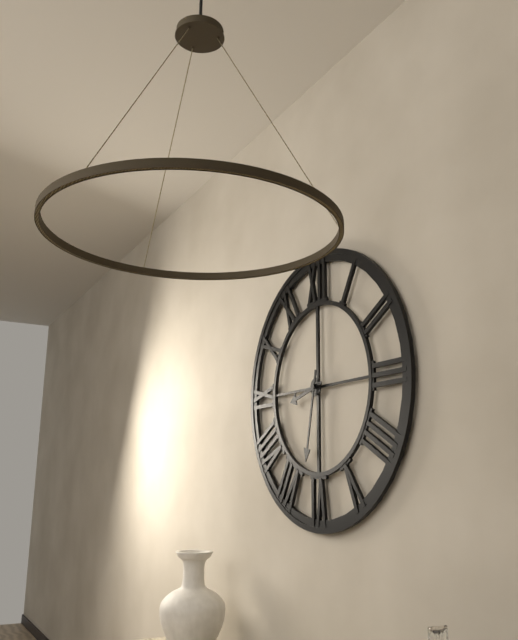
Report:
8:32
